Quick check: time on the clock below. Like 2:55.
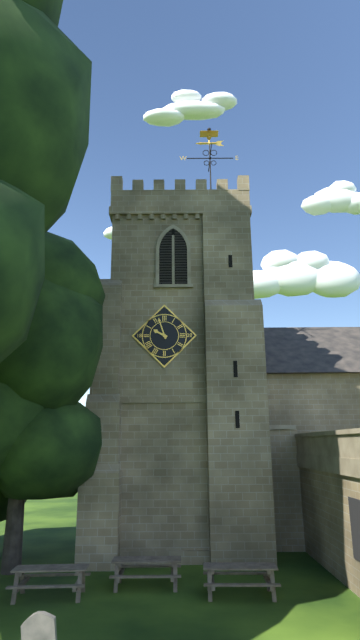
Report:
9:57
